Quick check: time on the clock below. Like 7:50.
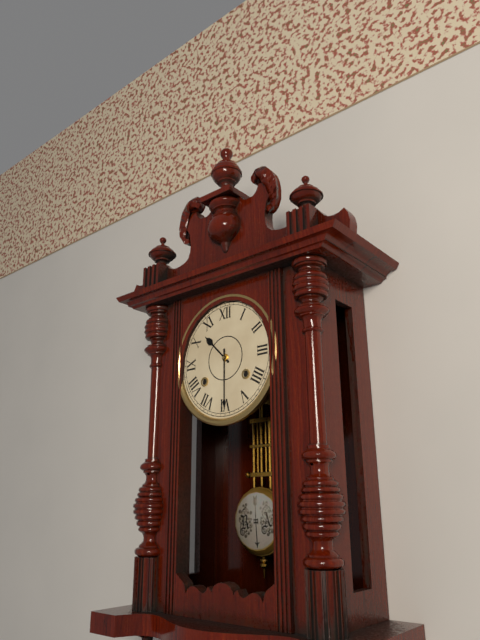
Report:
10:30
